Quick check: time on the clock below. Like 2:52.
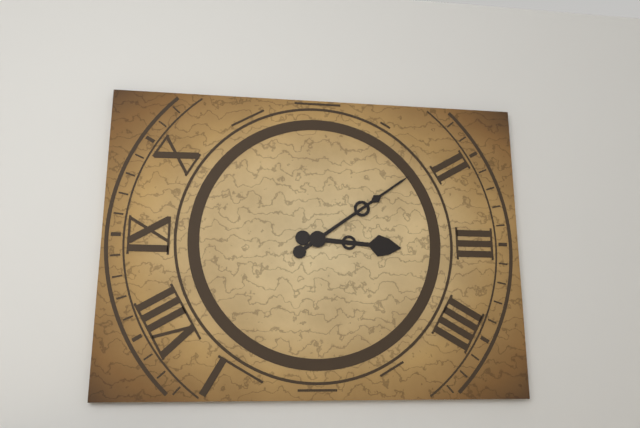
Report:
3:09
